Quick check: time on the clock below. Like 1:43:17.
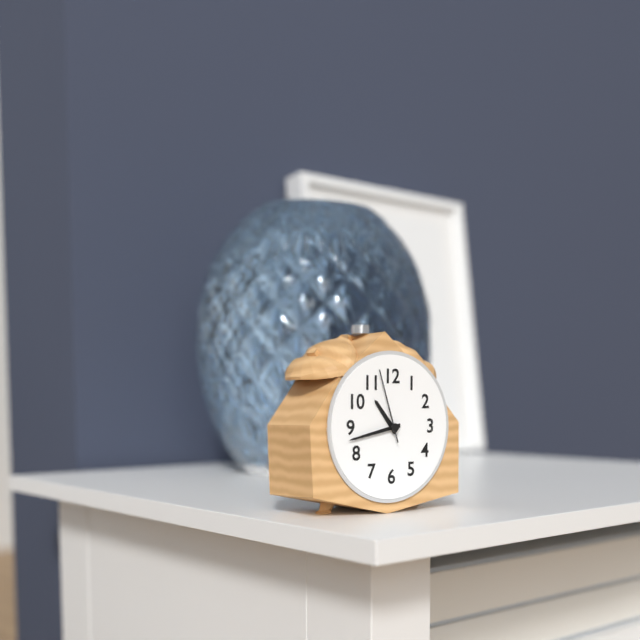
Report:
10:43:57
